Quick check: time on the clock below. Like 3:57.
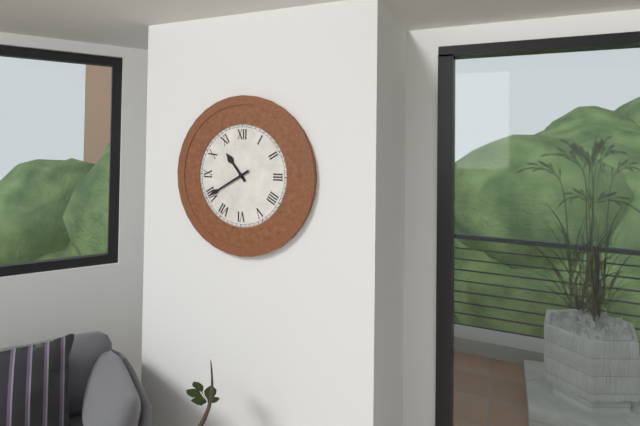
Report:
10:40
